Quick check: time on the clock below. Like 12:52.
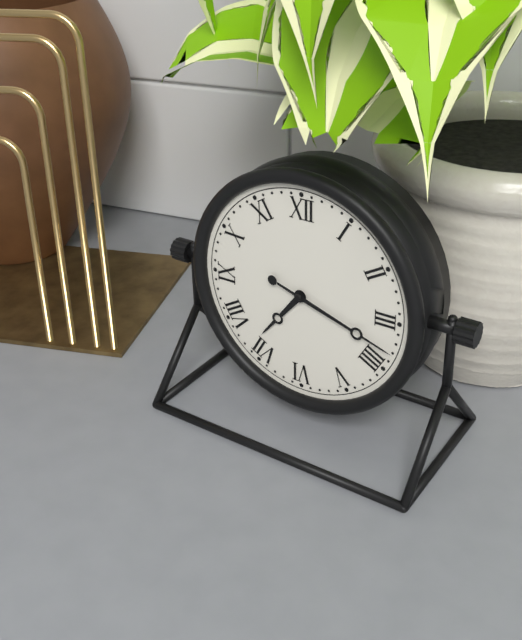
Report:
7:18
